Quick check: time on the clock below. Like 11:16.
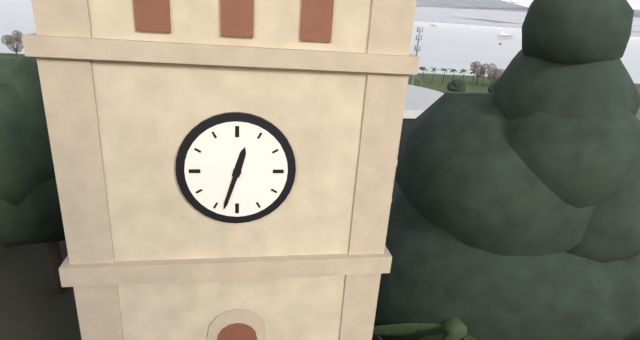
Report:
12:33
